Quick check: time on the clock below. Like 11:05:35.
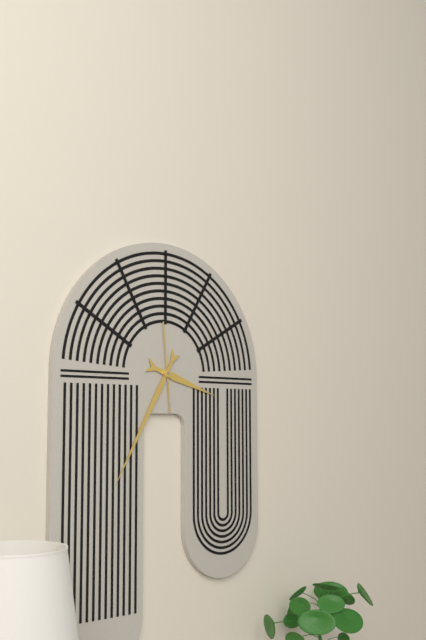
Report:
3:35:59
